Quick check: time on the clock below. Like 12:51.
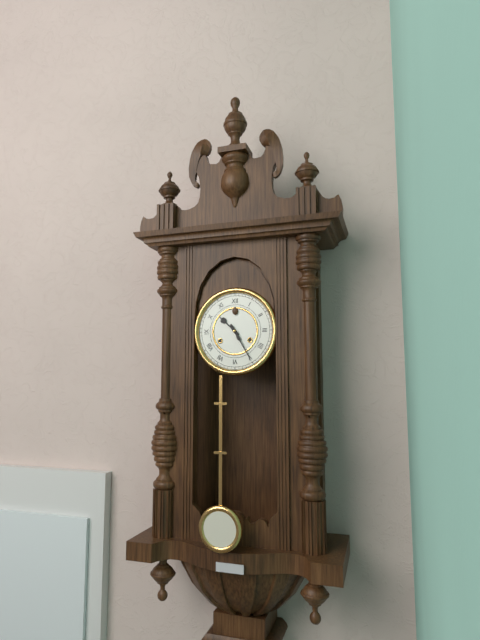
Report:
10:25
